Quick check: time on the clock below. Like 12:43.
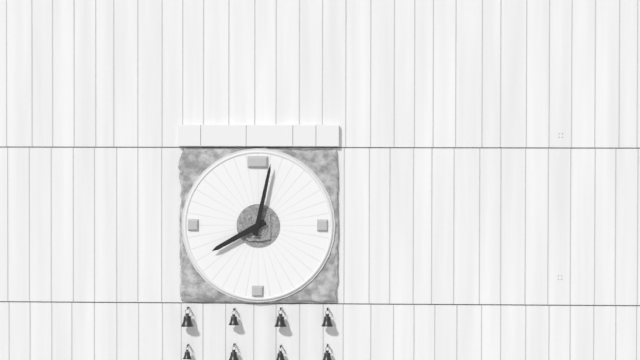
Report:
8:02
